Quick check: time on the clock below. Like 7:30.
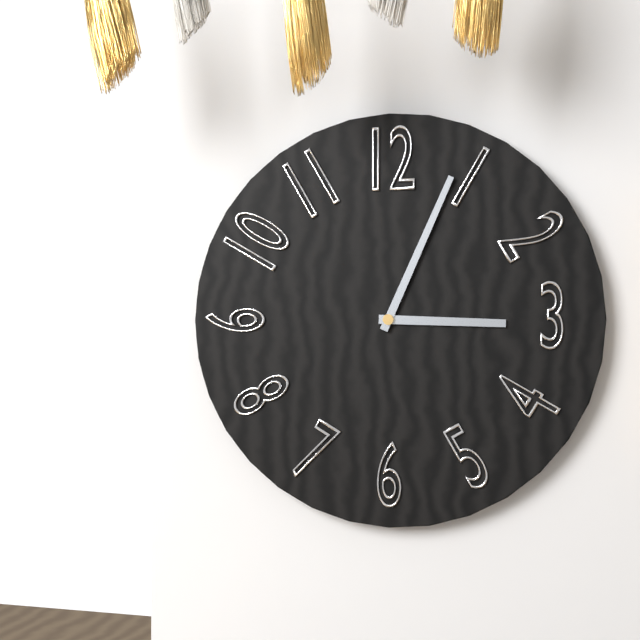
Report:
3:04
